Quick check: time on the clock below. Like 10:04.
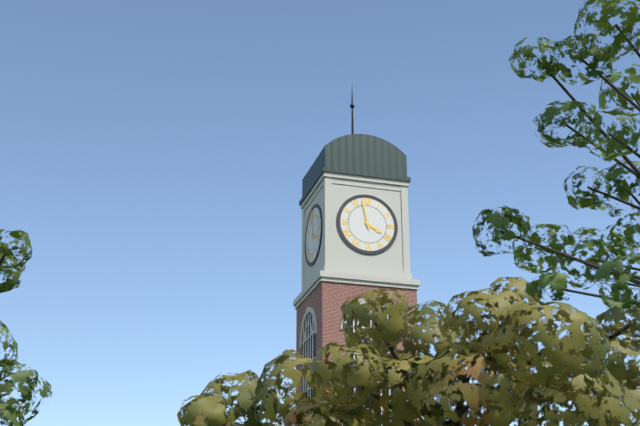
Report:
3:58
